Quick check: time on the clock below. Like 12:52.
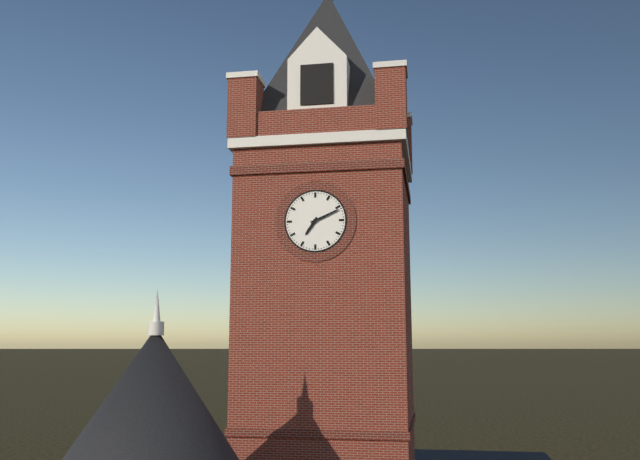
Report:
7:11
